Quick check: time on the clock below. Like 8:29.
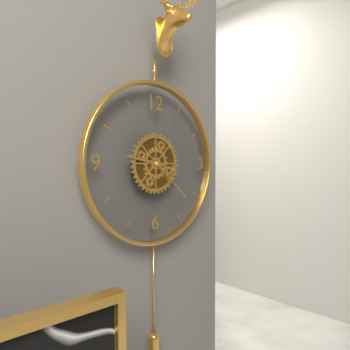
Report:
9:22
